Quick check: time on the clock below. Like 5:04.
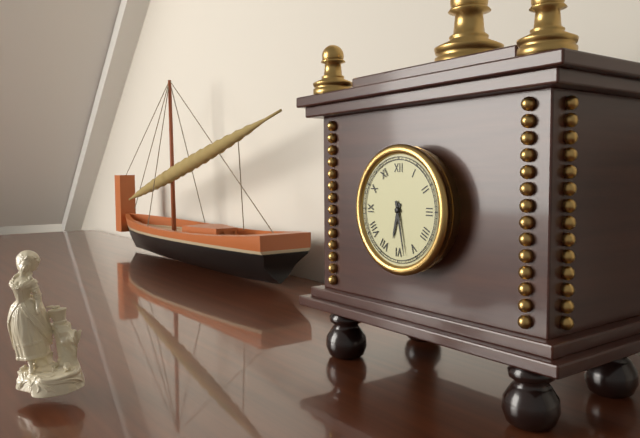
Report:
6:28
